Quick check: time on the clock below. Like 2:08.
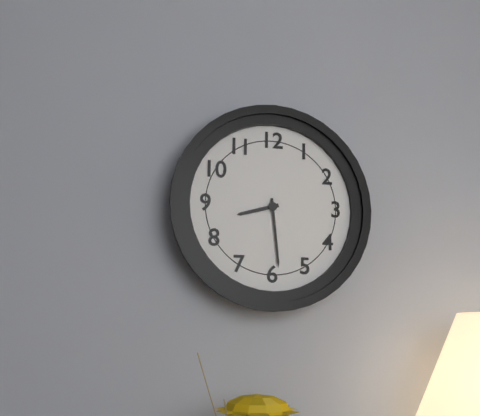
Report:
8:29
